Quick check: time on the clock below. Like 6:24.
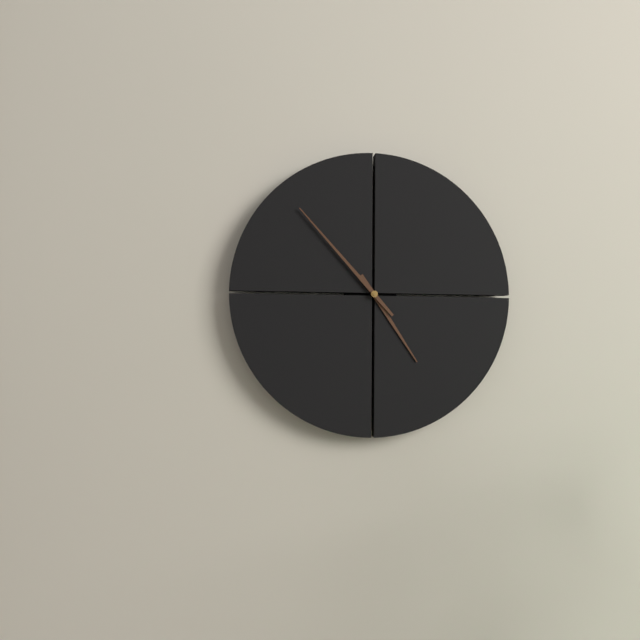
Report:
4:53
